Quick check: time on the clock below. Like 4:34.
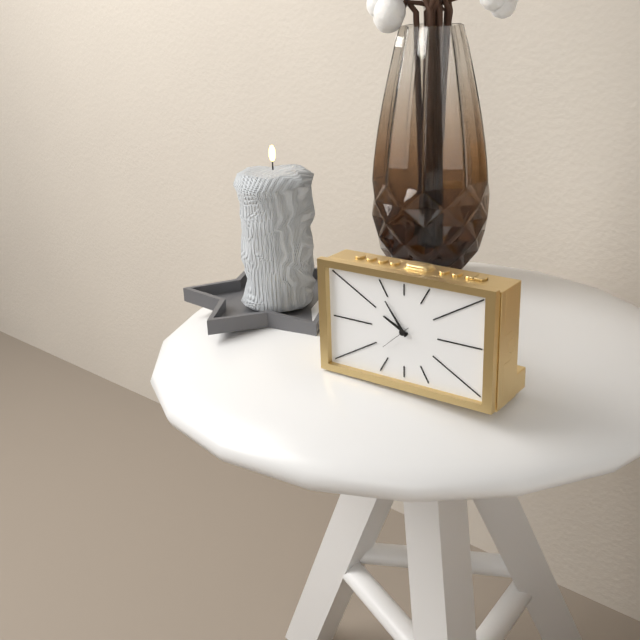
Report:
9:54
